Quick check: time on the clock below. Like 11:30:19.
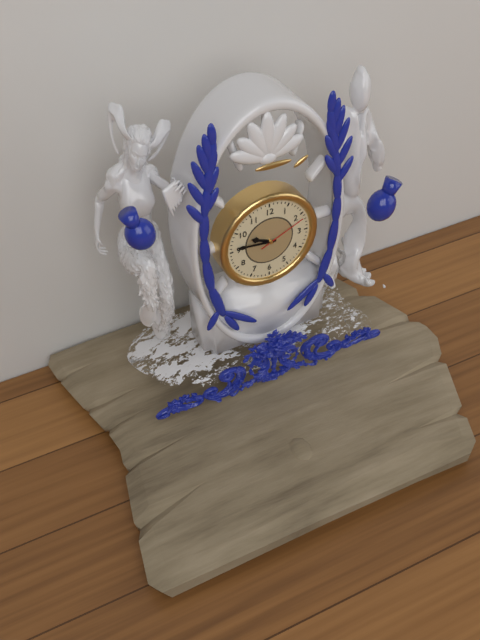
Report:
9:46:11
